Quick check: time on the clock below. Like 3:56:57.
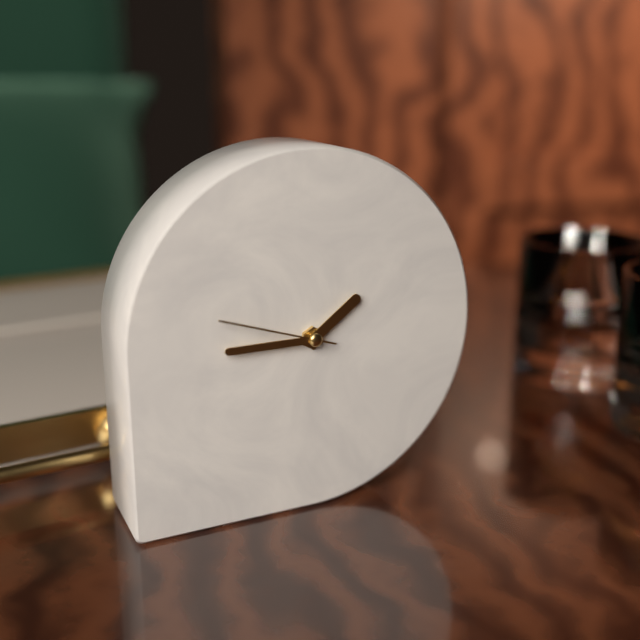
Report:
1:45:48
